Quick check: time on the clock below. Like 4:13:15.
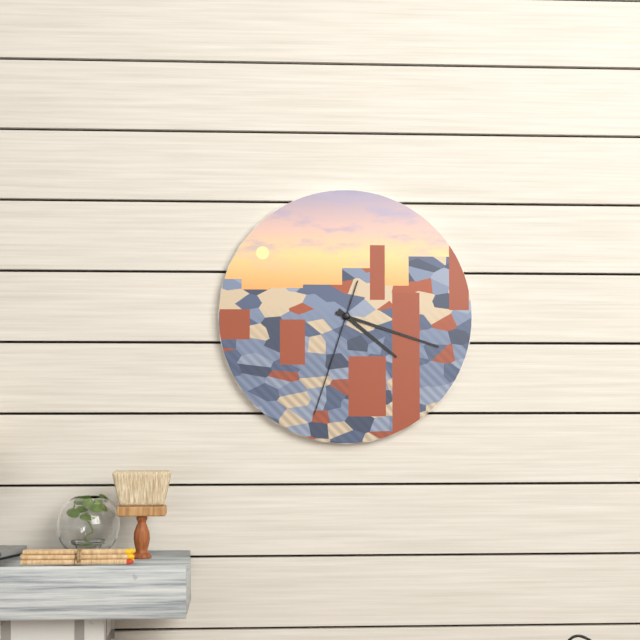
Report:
4:18:33
